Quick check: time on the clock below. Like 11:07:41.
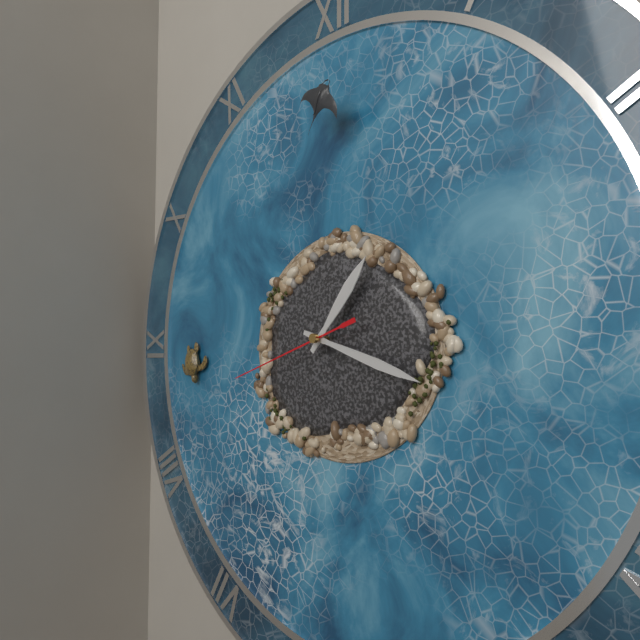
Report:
1:18:42
